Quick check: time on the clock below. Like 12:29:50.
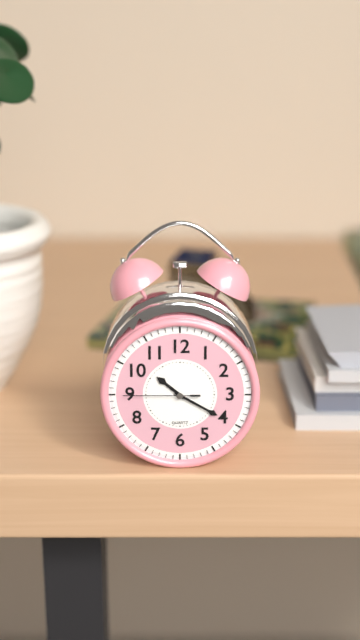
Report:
10:20:45
